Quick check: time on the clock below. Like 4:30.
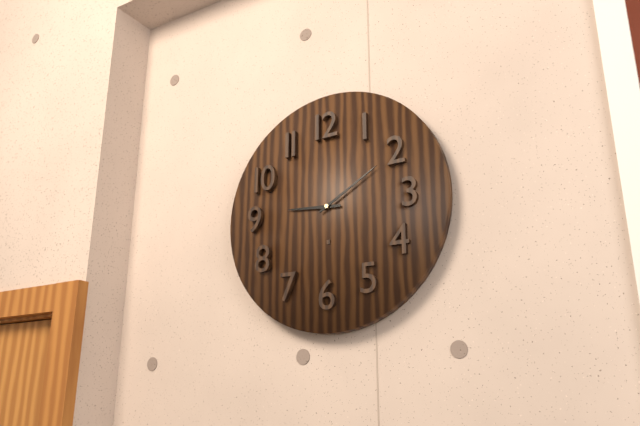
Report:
9:10
